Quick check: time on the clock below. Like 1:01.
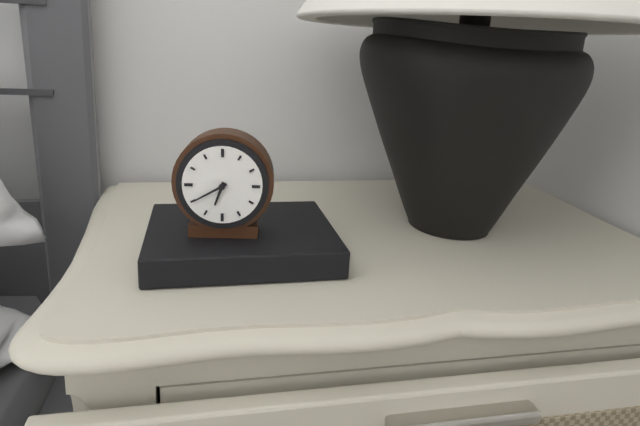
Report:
6:40
